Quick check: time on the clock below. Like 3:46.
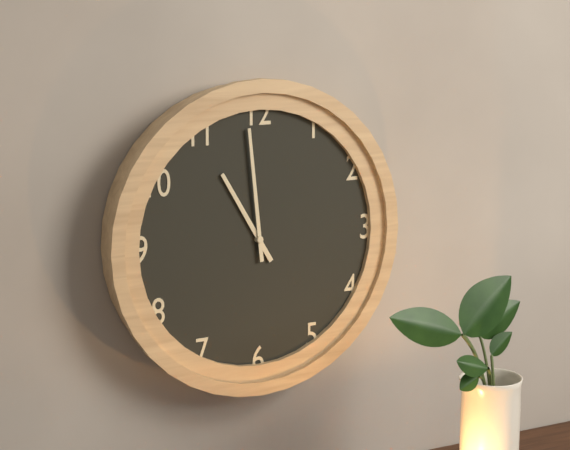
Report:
10:59
